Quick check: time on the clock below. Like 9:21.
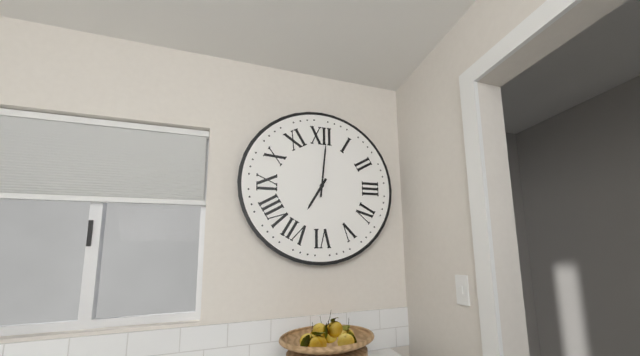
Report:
7:01
